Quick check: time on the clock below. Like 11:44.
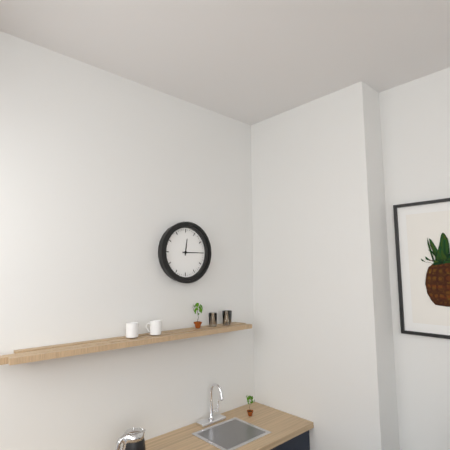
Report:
12:15
